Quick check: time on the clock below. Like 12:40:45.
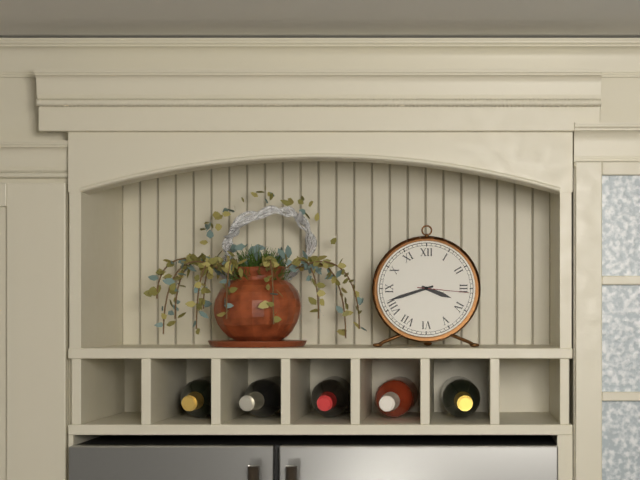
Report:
3:42:16
